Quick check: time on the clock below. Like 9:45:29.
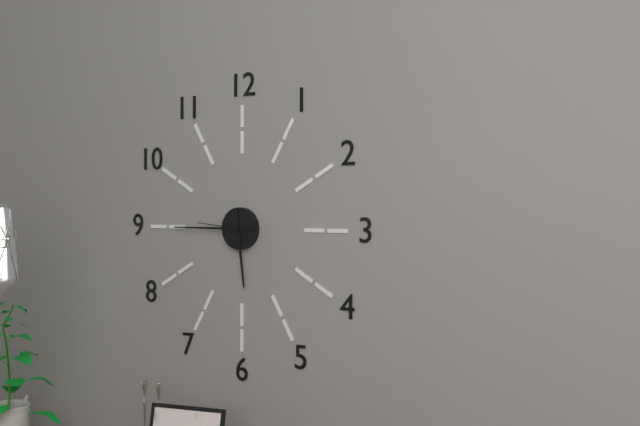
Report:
5:45:46
